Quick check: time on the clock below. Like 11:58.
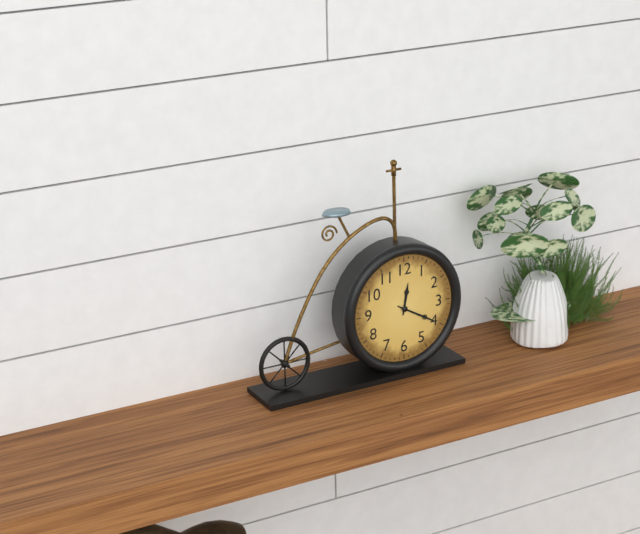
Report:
12:20
